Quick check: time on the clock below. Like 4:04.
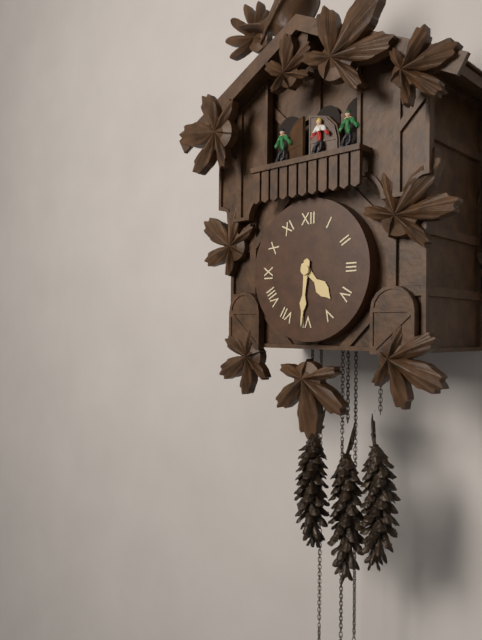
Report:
4:31
